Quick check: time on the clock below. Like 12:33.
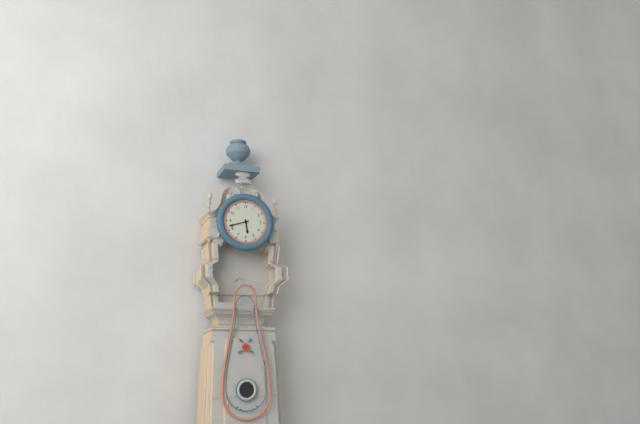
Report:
5:42
